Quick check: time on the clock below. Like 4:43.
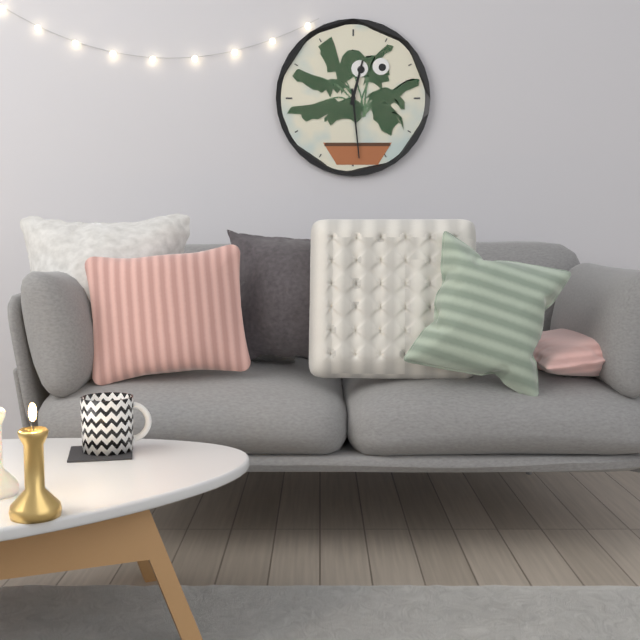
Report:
12:29
